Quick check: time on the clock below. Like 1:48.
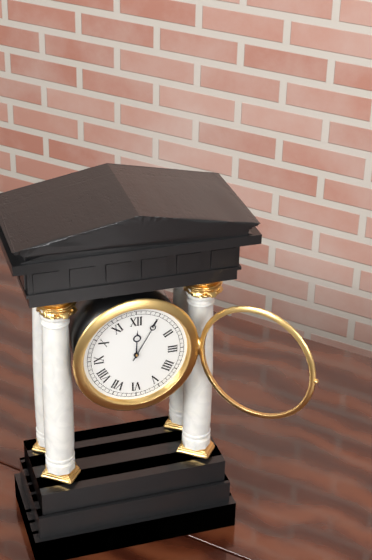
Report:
12:05
